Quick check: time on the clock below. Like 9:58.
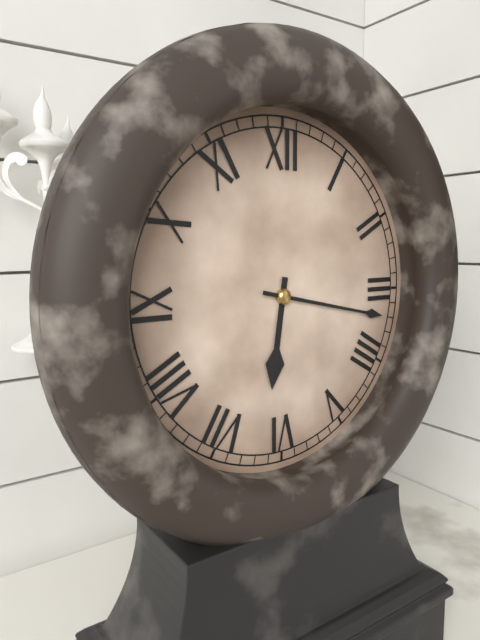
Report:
6:17
